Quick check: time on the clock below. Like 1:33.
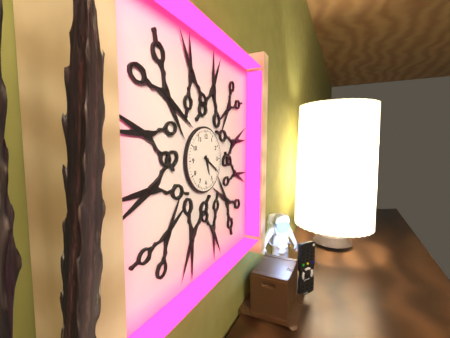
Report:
5:20
